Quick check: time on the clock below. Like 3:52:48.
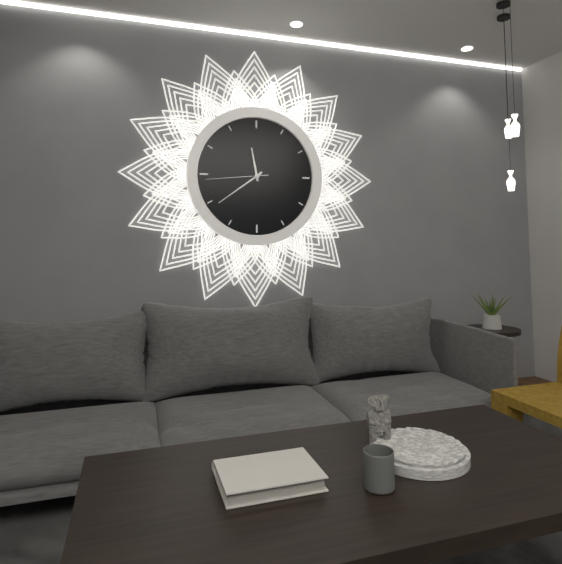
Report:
11:39:44
